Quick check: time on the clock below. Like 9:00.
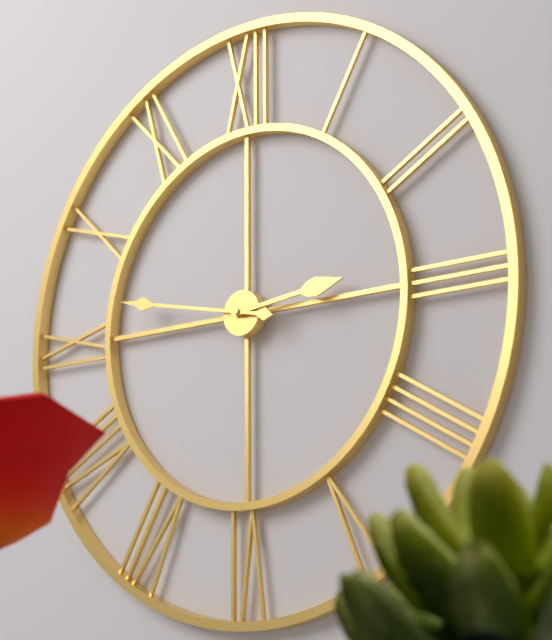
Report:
2:47
